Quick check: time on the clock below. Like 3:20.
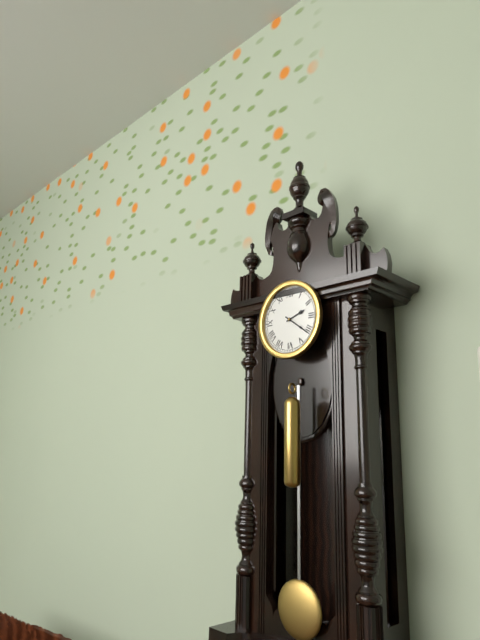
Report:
2:21
